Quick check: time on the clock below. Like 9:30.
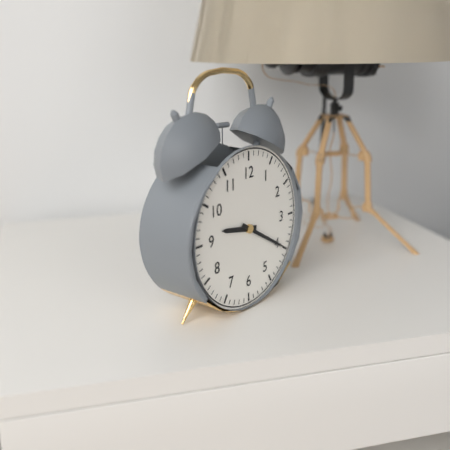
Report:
9:20
